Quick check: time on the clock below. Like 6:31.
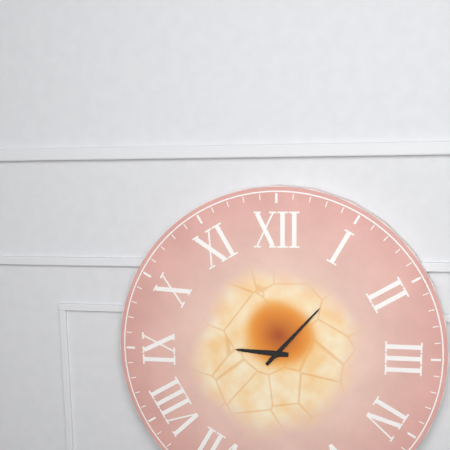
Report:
9:07
